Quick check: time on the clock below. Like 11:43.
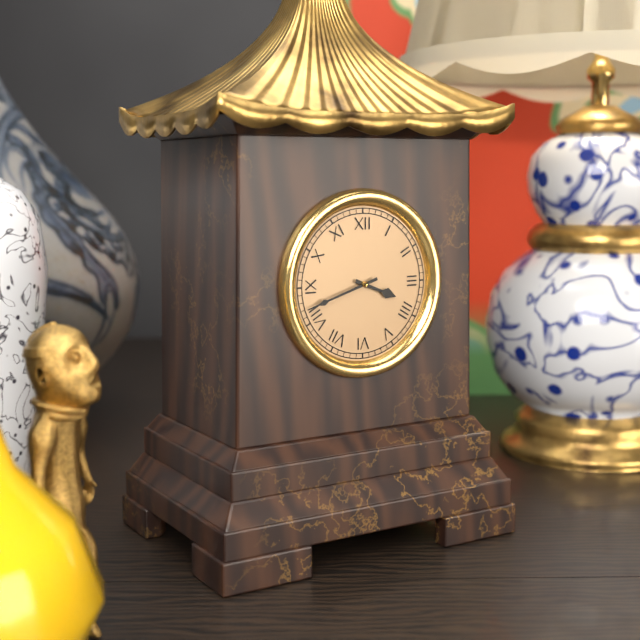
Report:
3:42
